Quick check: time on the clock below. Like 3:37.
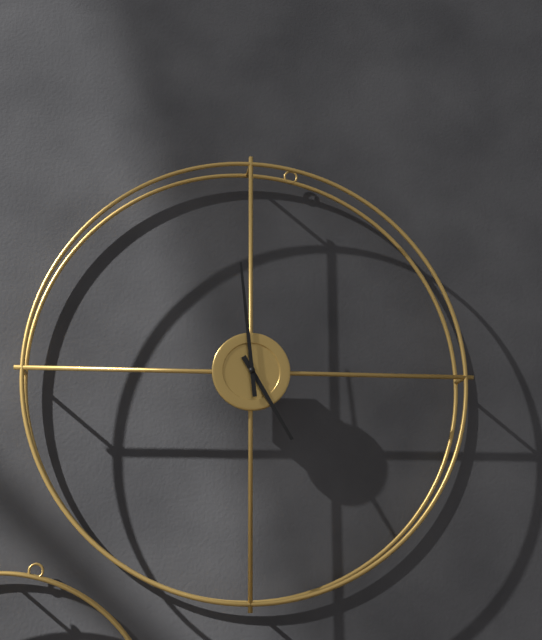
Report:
4:59
